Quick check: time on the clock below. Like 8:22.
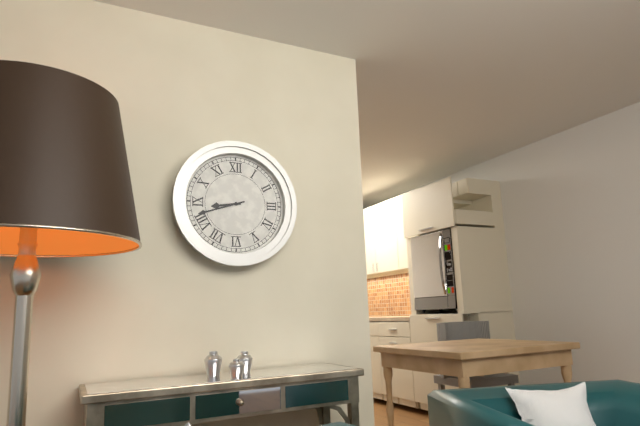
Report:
8:42
